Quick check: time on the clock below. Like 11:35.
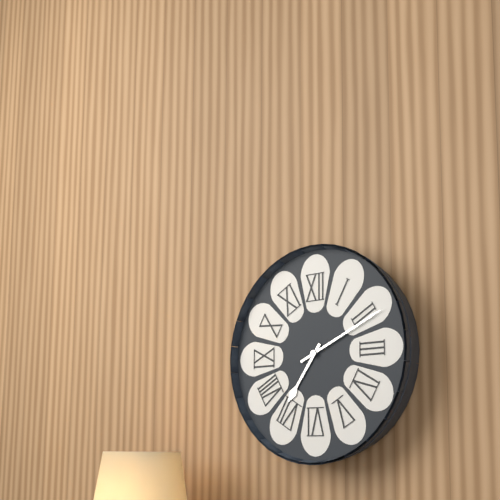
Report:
7:11
